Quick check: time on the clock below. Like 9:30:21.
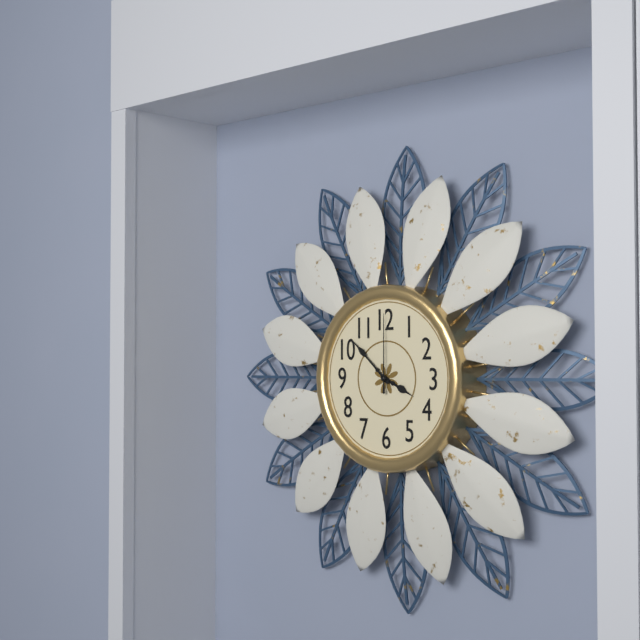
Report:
3:52:00
